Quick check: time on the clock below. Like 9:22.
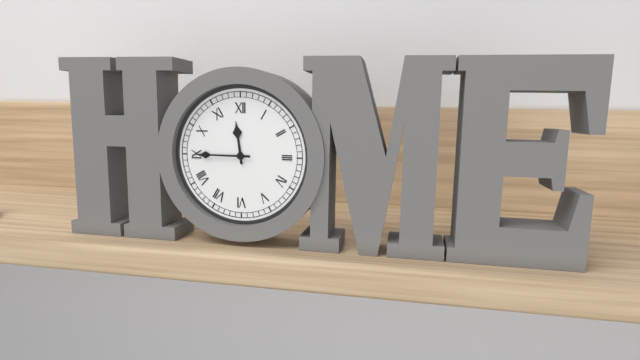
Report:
11:45
